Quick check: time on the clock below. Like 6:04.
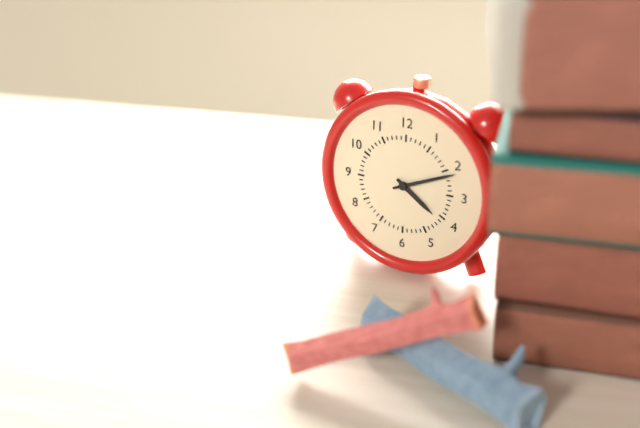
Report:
4:11
